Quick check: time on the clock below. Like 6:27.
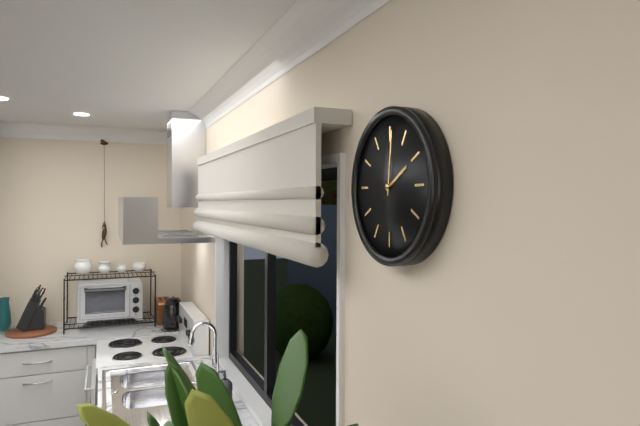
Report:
2:01
